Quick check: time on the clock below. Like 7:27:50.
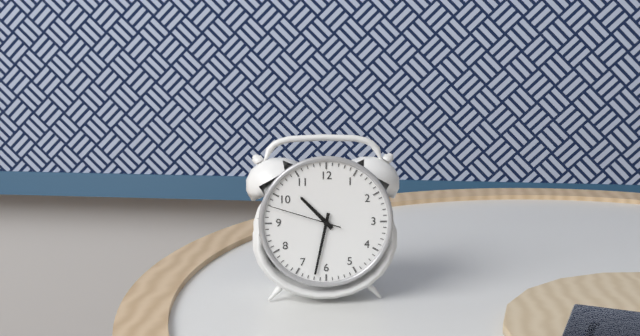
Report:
10:32:48
